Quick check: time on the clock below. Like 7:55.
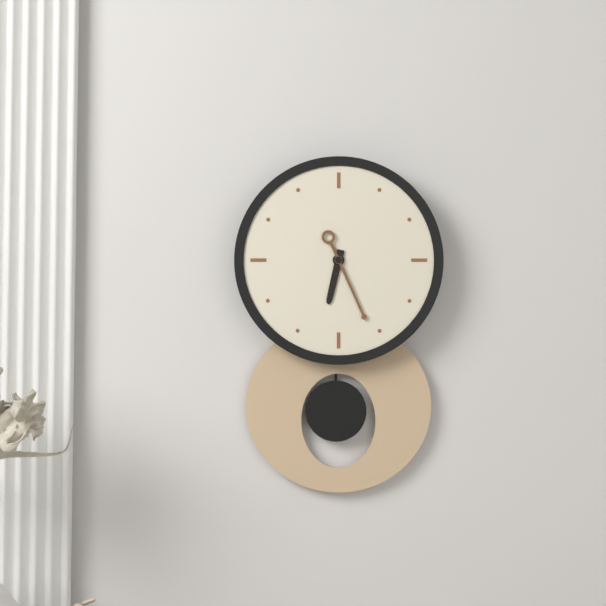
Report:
6:26
